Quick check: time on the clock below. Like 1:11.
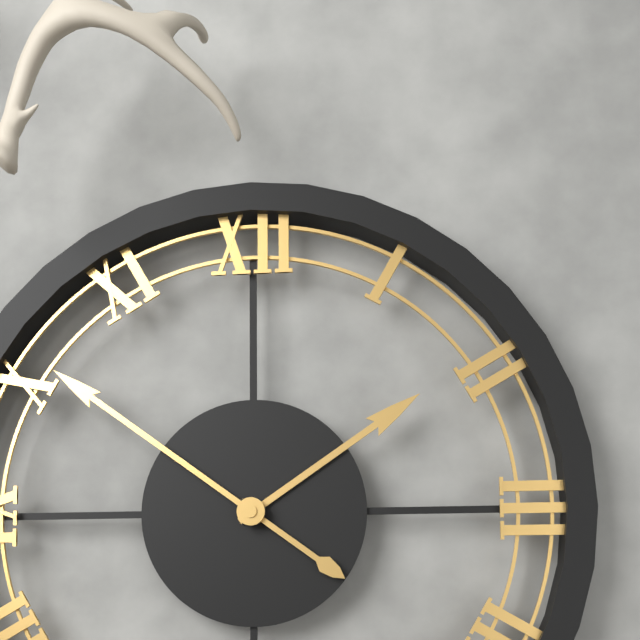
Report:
1:51
